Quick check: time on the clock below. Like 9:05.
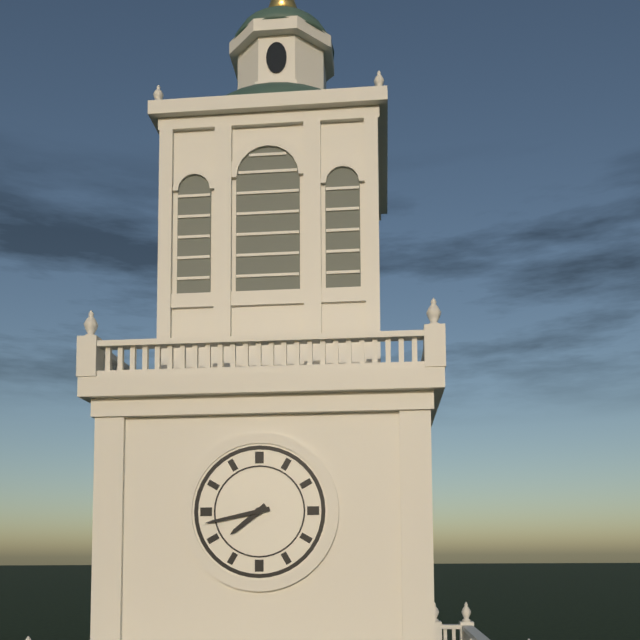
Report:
7:43
